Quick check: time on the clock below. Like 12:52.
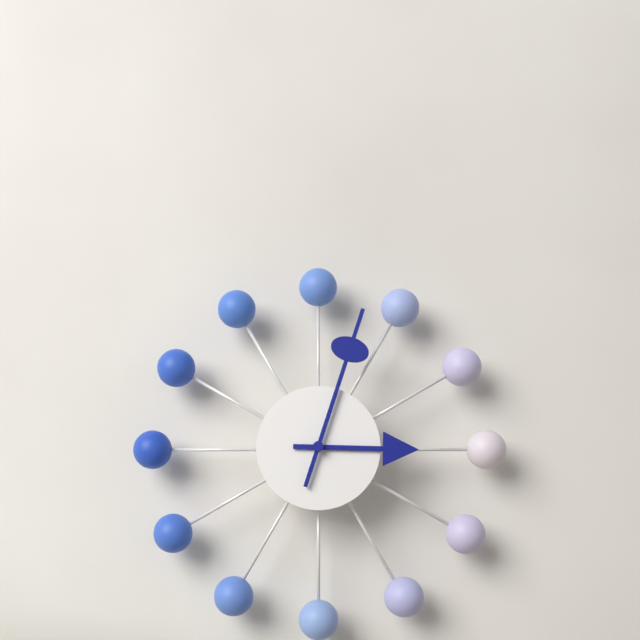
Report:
3:03
